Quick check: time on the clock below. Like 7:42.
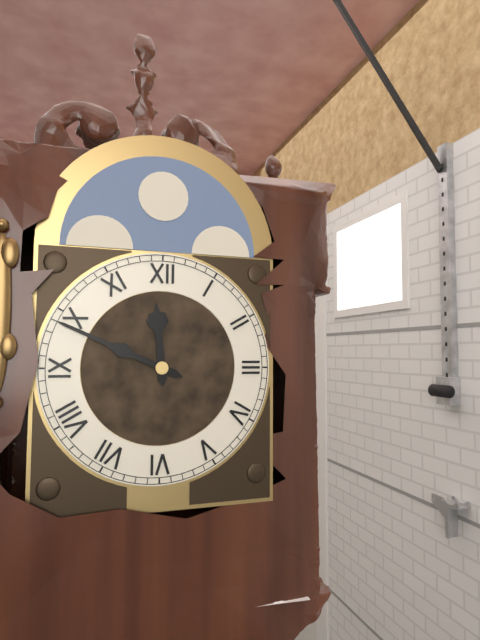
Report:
11:49
